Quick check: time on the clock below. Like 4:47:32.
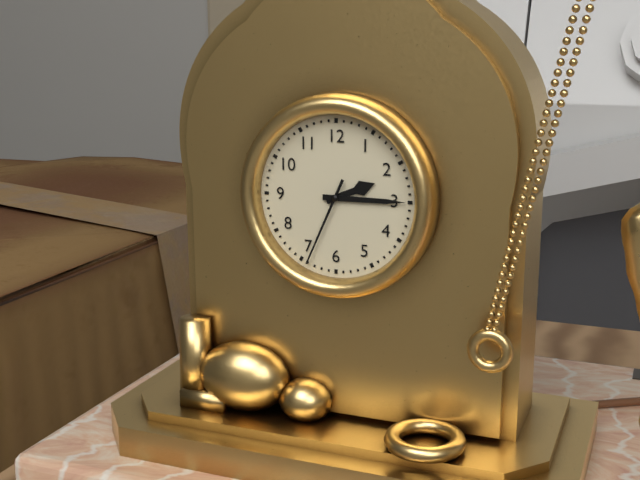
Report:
2:15:34
